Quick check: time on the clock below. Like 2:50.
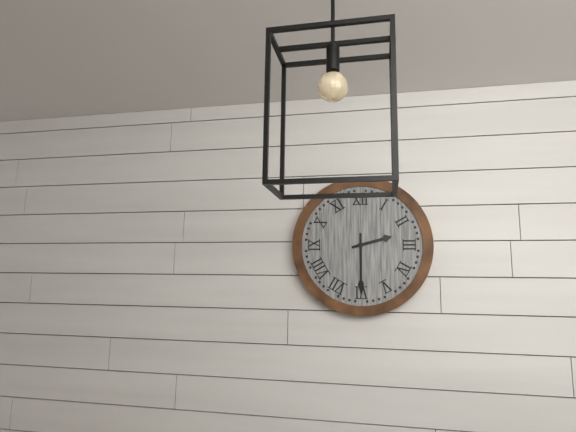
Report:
2:30
